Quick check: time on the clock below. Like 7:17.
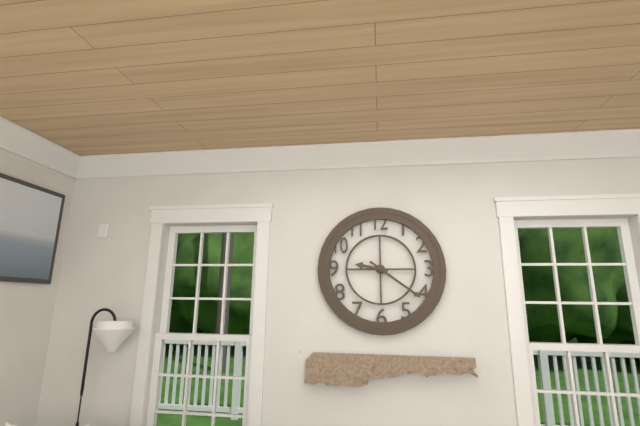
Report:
9:21
